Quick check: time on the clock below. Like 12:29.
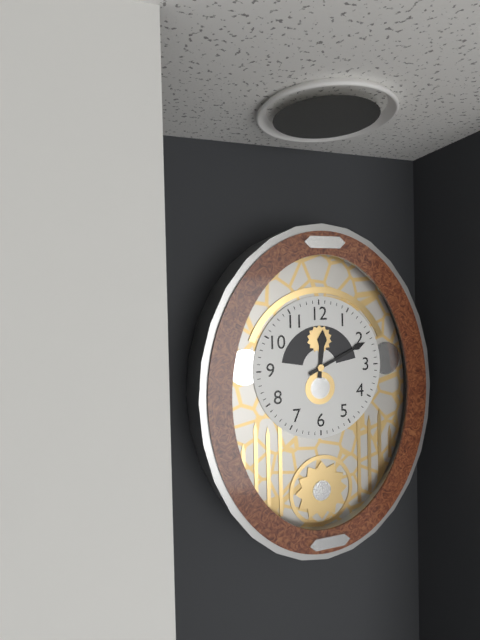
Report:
12:11
